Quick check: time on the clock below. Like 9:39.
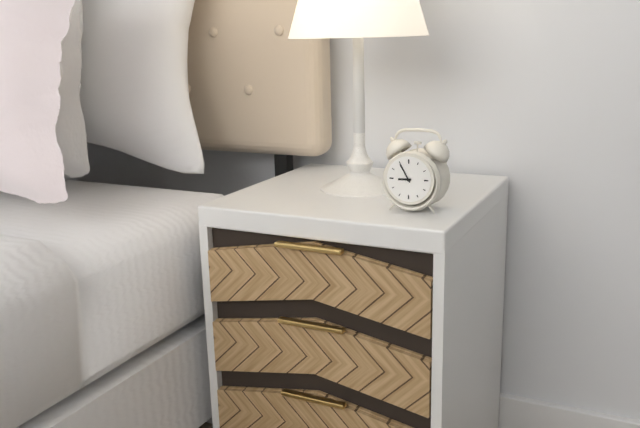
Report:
8:55
